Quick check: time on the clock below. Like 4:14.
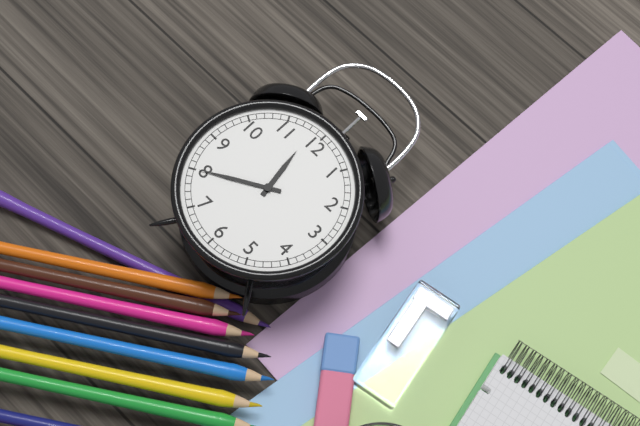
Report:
11:40
